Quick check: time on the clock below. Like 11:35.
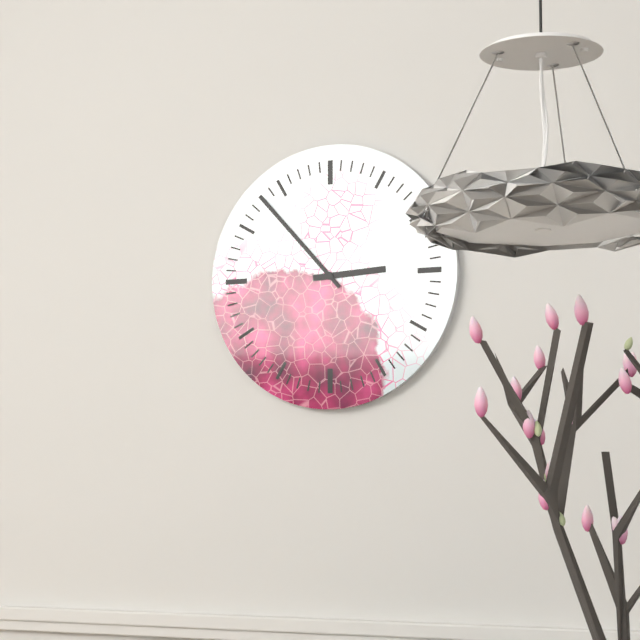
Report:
2:53
